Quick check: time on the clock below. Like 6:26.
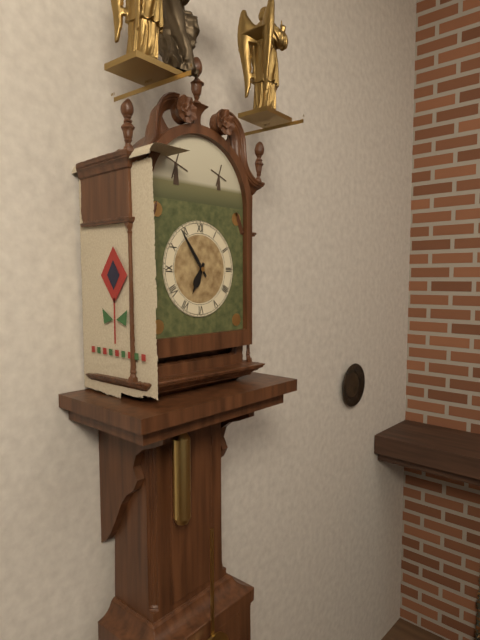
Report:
6:54
